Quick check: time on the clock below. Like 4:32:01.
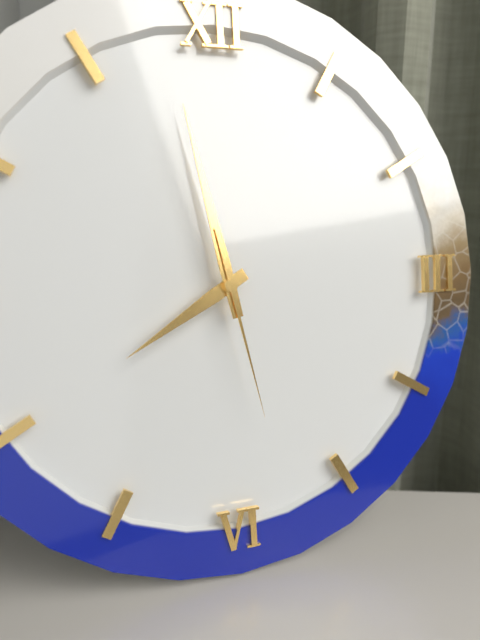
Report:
7:58:28
